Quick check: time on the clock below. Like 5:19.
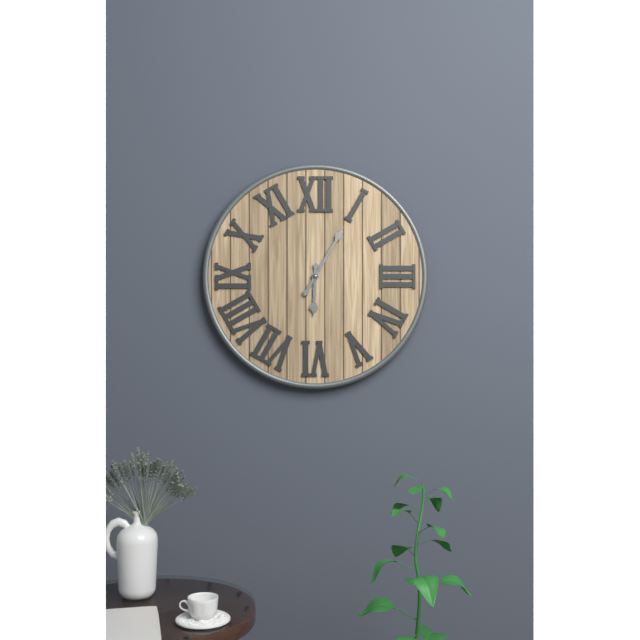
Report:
6:05
